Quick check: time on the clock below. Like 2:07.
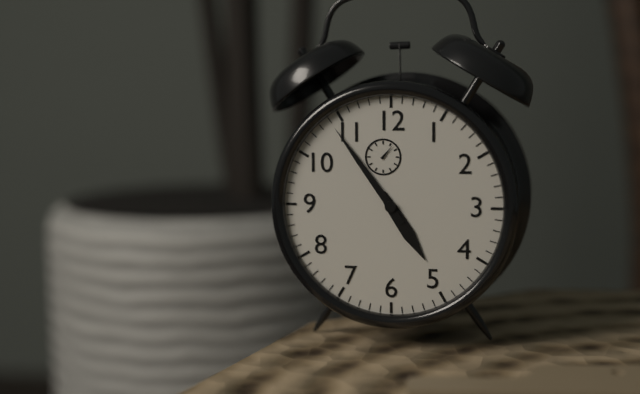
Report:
4:54
